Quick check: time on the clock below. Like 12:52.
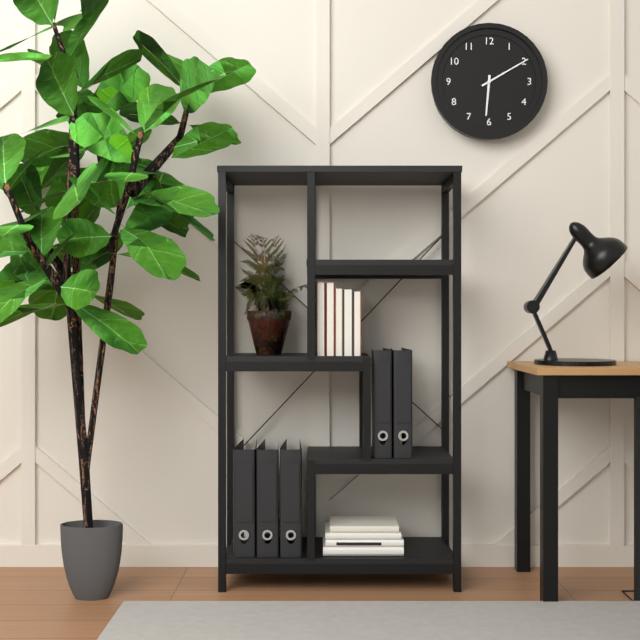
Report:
6:10
